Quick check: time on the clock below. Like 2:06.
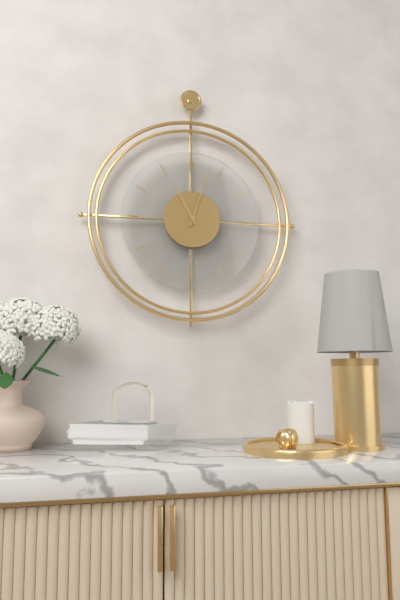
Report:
11:03
